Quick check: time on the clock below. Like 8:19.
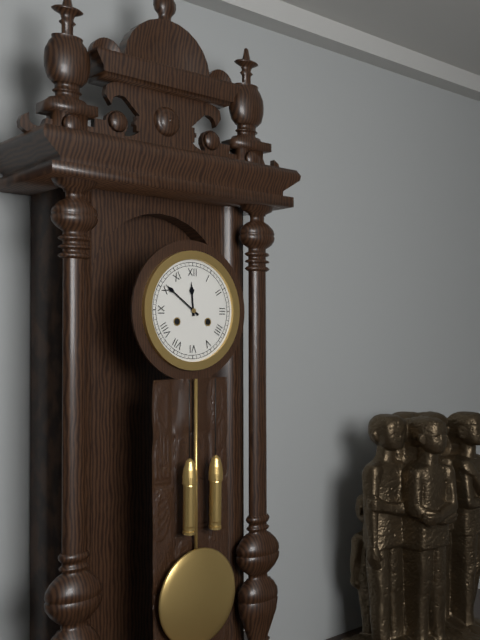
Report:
11:51
